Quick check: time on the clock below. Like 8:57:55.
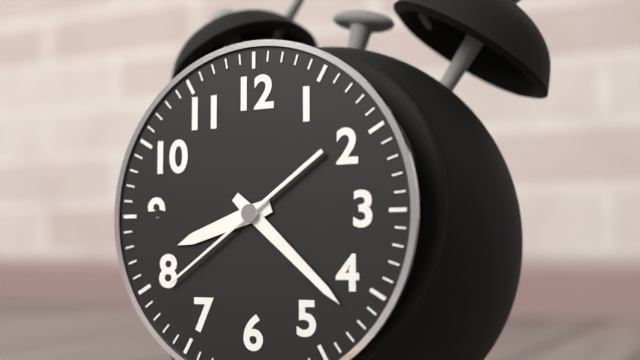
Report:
8:22:39
